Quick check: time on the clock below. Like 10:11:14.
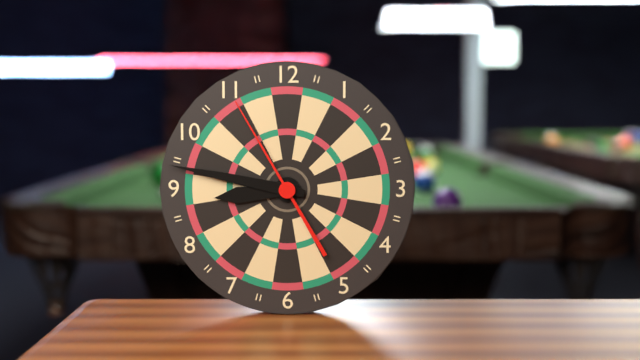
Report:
8:47:55
